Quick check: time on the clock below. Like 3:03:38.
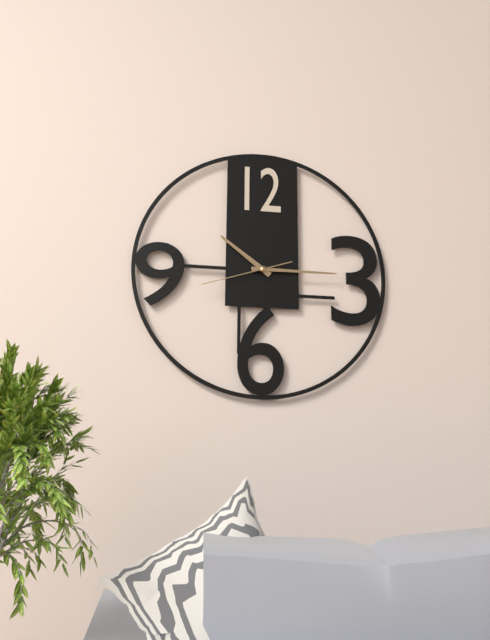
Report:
10:15:42
